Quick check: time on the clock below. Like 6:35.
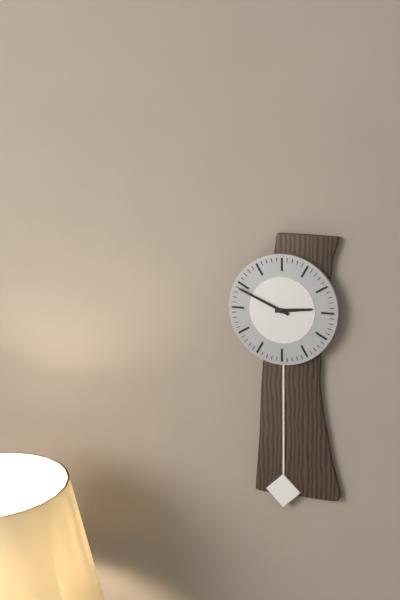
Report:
2:49
